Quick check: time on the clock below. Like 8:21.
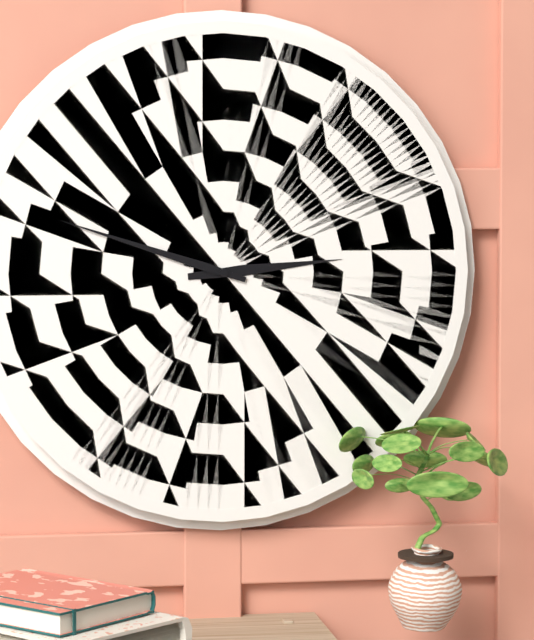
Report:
2:48
